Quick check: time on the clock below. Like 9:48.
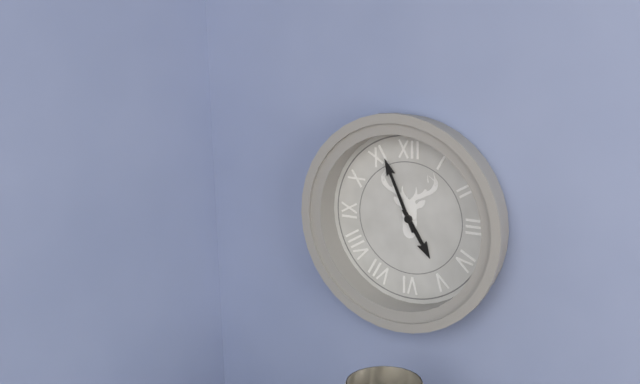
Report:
4:56
